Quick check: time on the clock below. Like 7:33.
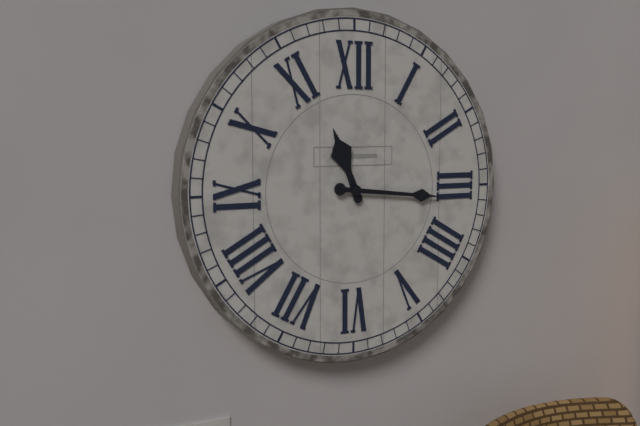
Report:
11:16
